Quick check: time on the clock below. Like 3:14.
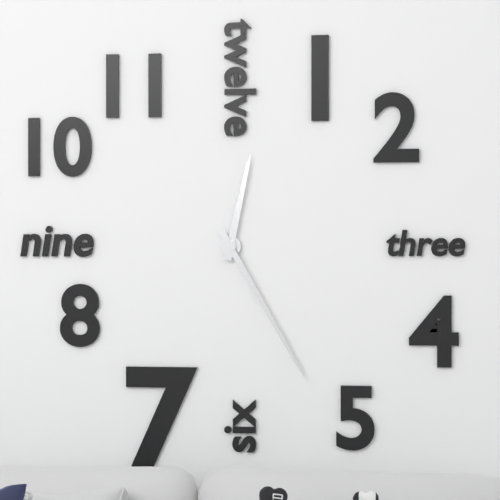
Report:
12:25
